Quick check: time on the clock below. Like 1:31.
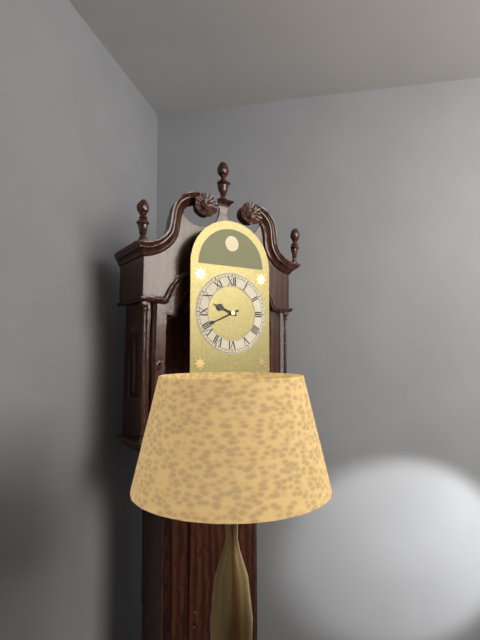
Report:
9:41
